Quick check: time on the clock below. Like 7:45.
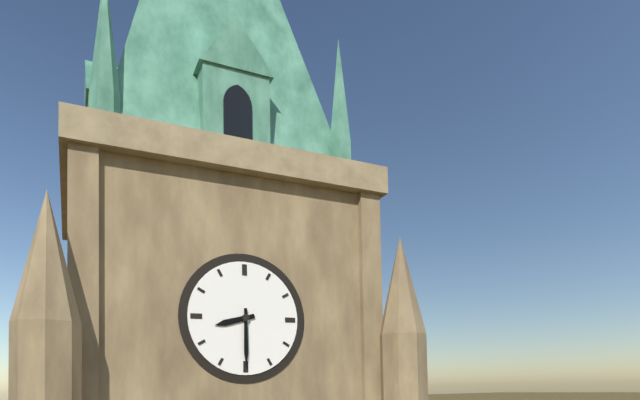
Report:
8:30
